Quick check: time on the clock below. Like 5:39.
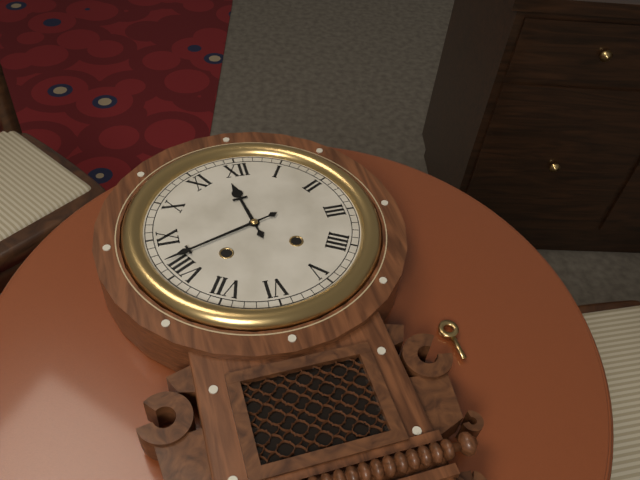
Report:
11:42
